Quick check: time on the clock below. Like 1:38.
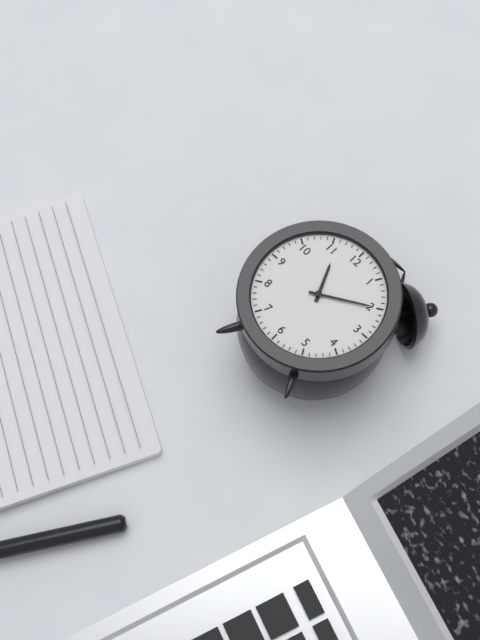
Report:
11:10
